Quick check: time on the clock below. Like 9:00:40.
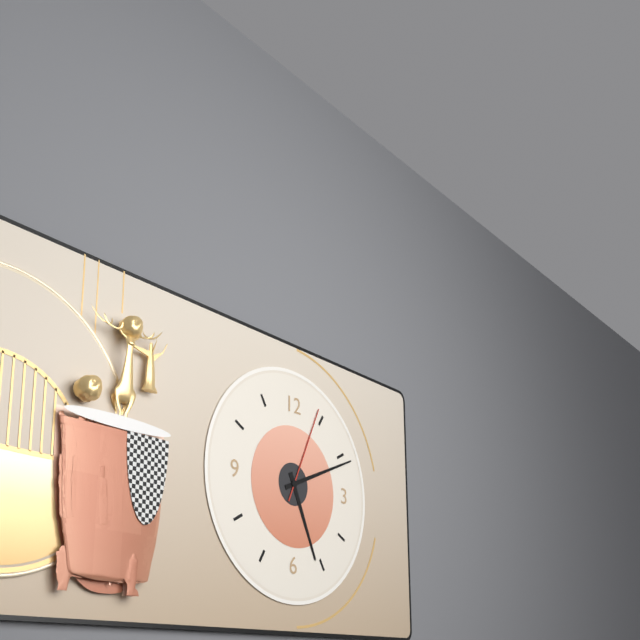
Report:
5:11:04
